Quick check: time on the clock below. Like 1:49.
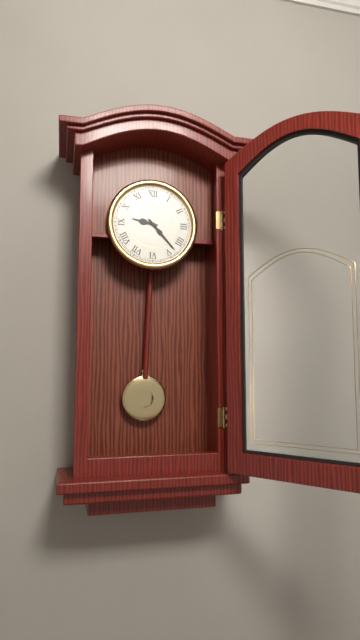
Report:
9:23
